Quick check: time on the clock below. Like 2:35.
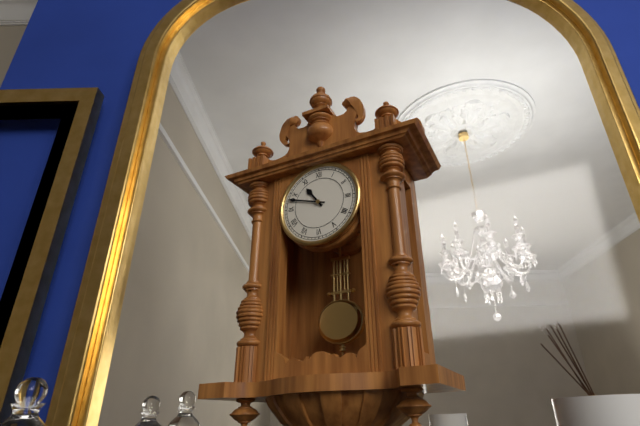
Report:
10:48
